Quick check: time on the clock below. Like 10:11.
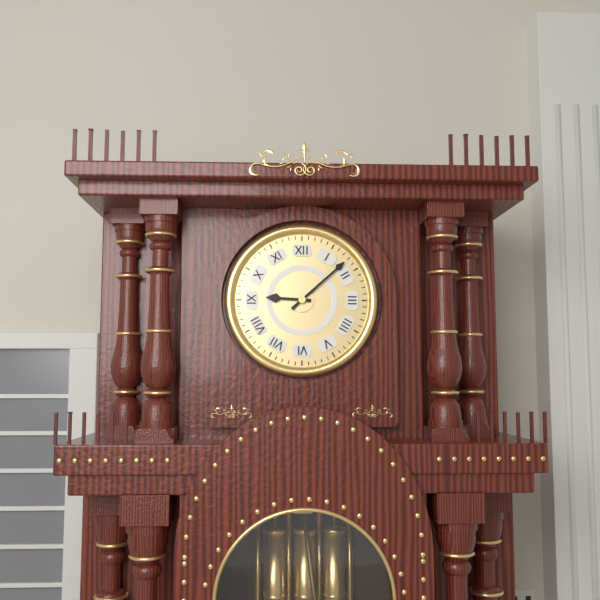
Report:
9:08
